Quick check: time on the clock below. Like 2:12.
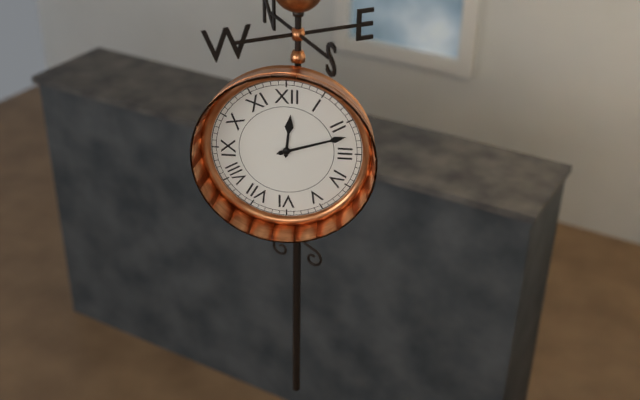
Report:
12:12
